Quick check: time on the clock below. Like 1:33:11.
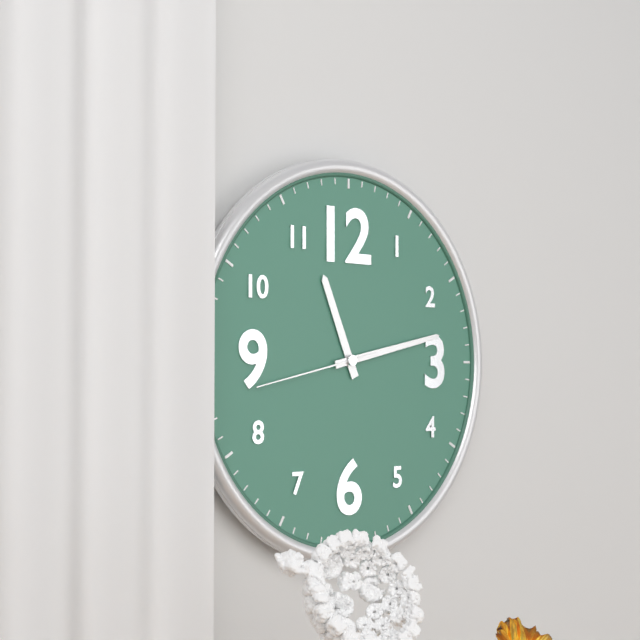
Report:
11:13:43
